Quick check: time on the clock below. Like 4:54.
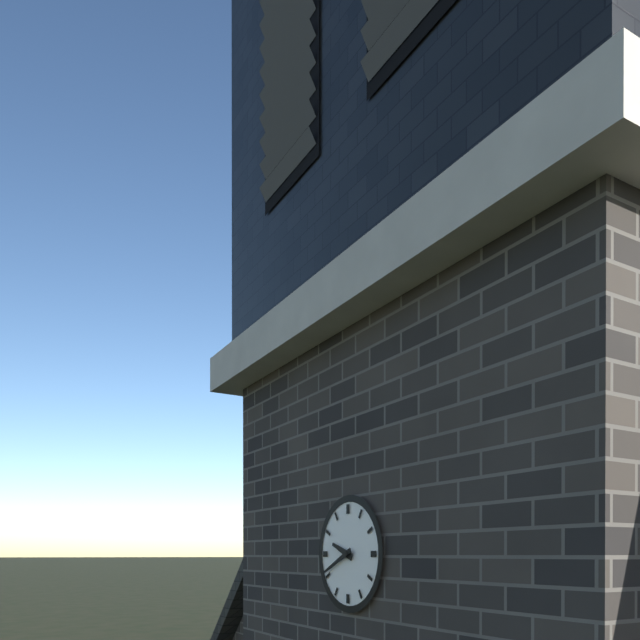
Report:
9:41
